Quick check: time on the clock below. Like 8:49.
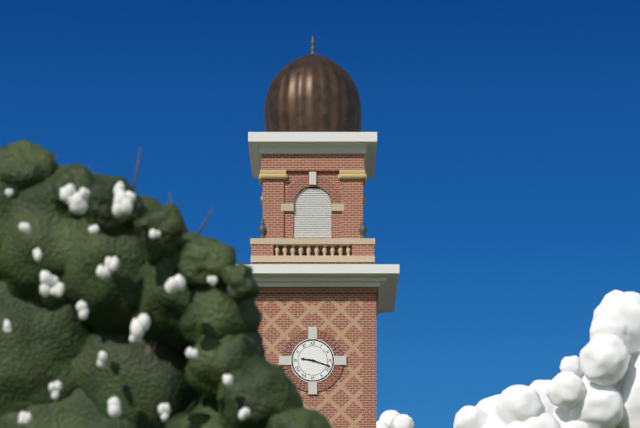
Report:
9:18
